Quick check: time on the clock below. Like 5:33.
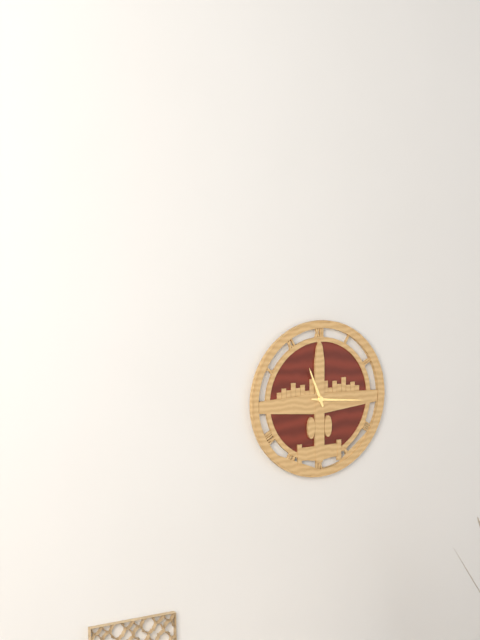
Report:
11:16
